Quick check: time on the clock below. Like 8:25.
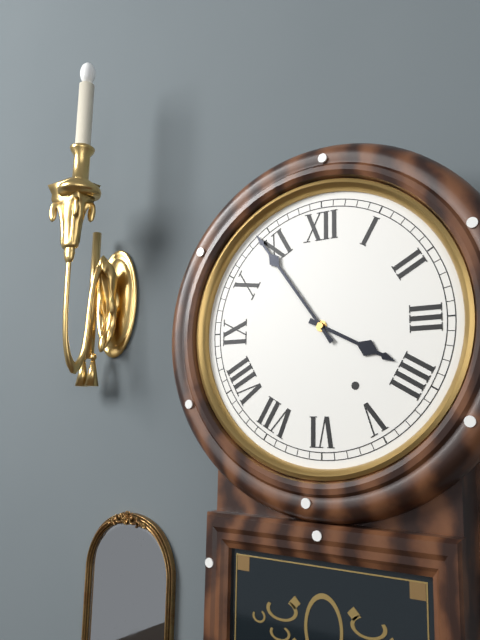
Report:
3:54
